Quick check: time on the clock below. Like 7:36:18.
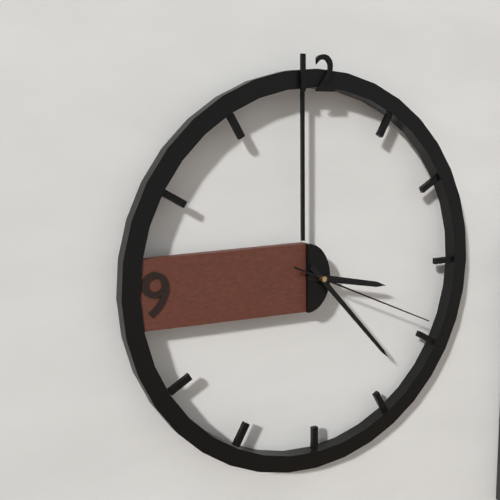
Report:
3:23:19
